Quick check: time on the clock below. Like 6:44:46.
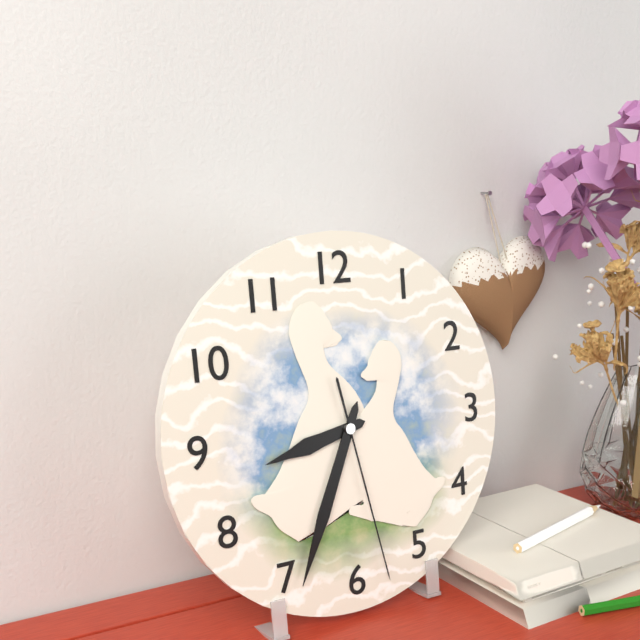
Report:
8:34:28
